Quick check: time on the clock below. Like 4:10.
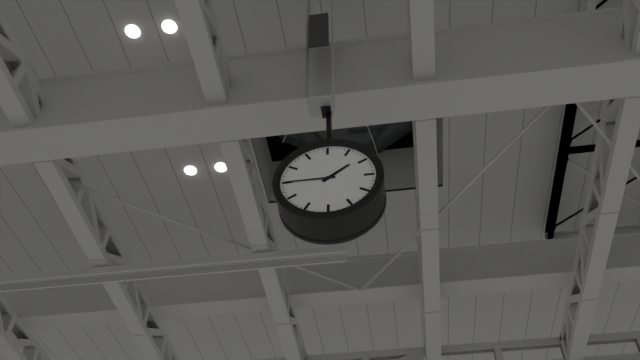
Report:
1:45
